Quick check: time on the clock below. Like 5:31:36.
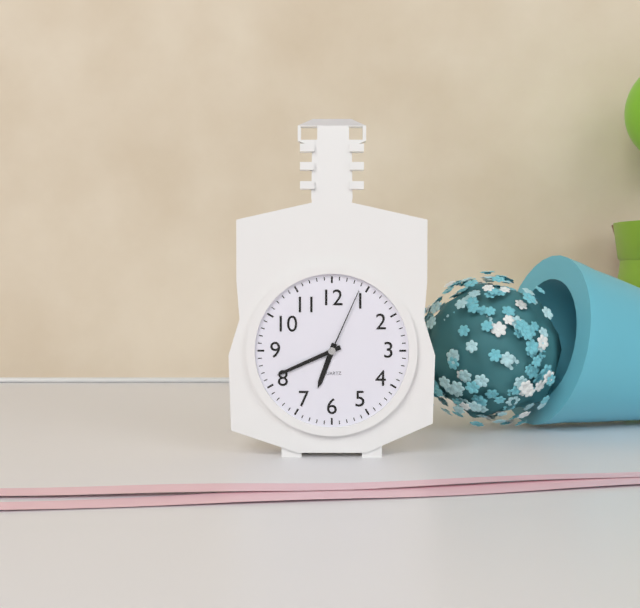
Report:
6:41:04
